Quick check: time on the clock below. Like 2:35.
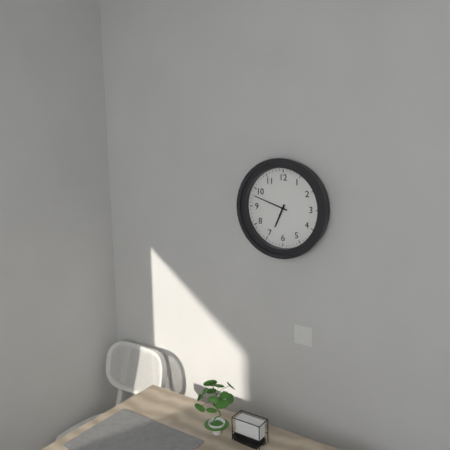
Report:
6:48
